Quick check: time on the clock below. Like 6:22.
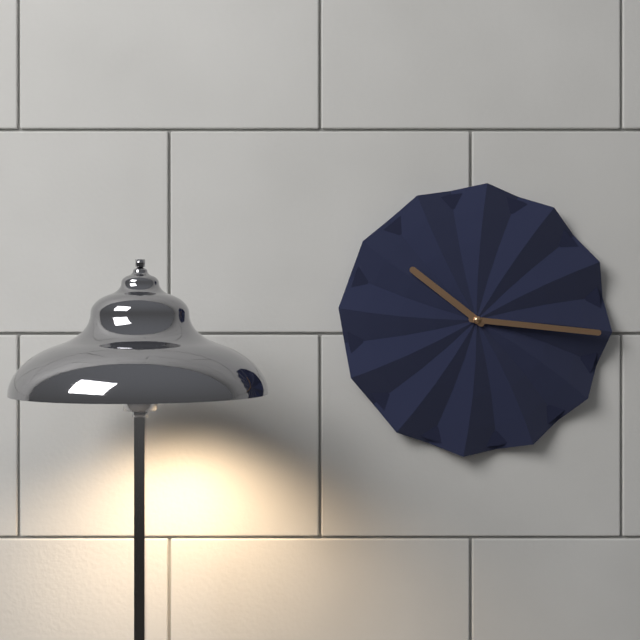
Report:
10:16
